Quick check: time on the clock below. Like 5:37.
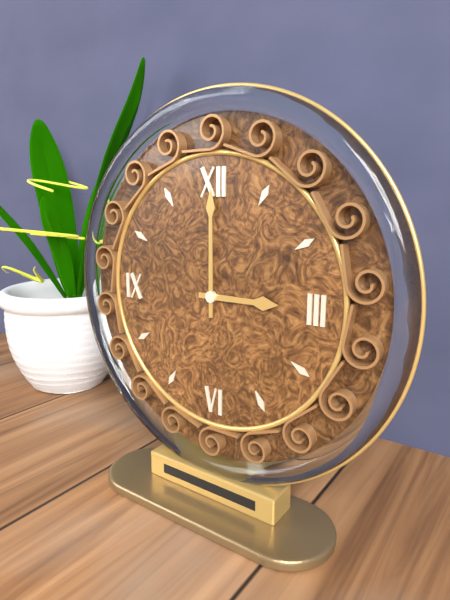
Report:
3:00
